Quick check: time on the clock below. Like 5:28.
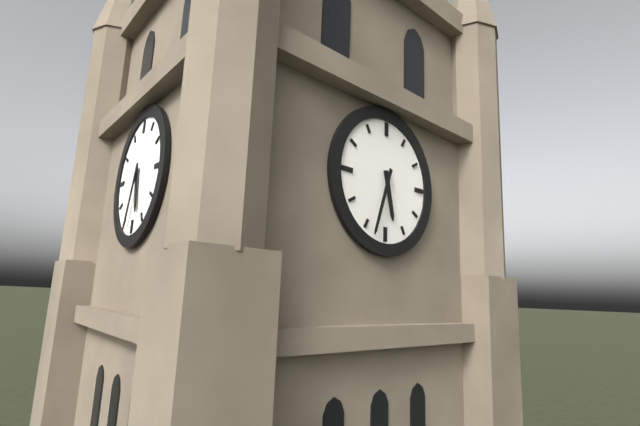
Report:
5:33
